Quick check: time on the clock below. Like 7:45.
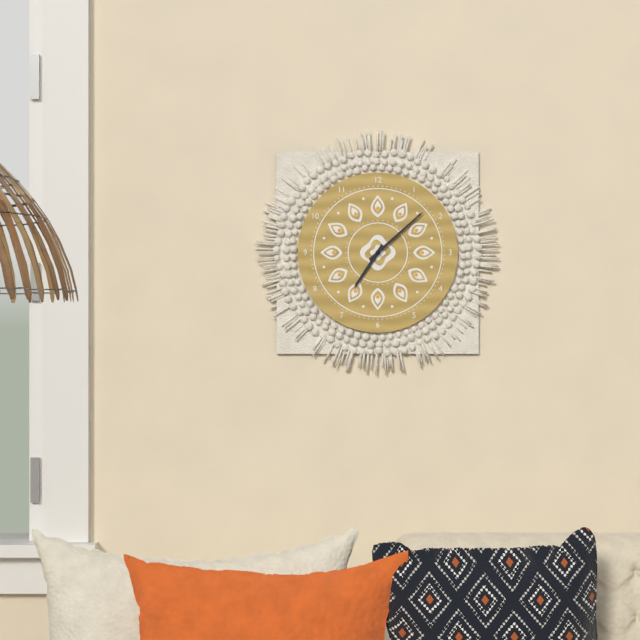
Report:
7:08
